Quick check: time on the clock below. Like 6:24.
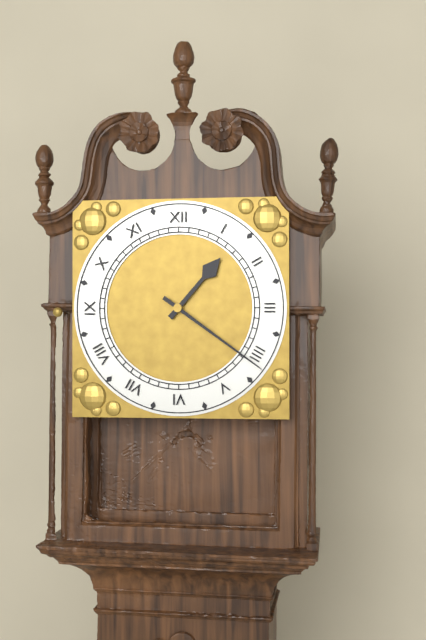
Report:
1:21
